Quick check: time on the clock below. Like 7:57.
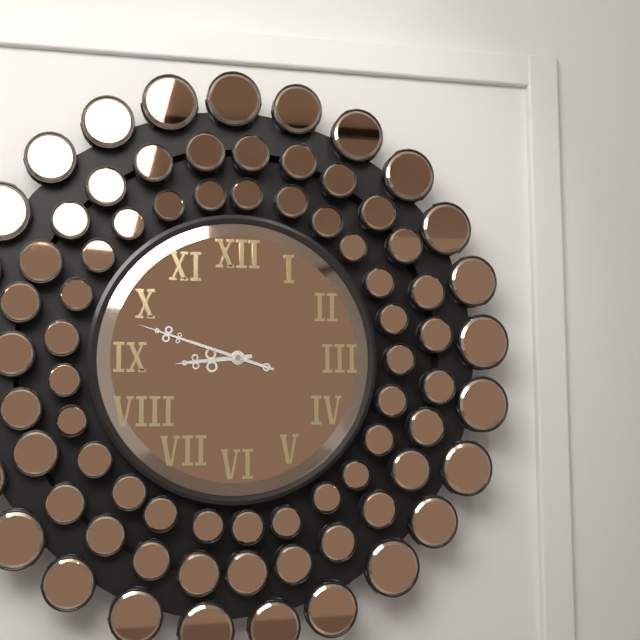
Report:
8:48
